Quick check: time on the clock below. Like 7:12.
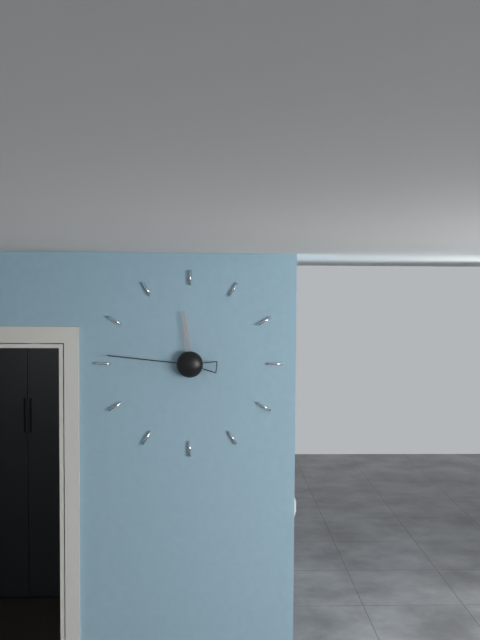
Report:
11:46
